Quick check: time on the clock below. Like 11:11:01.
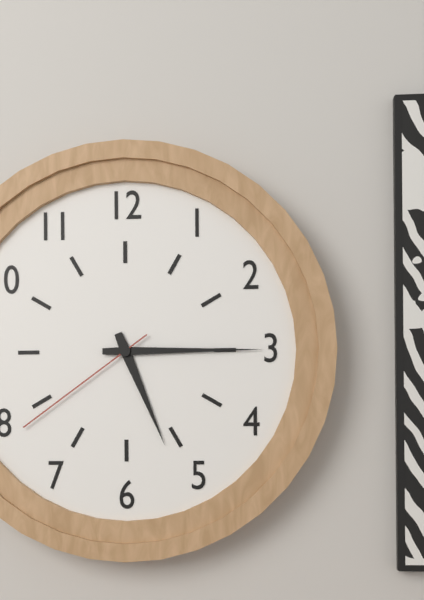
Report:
5:15:39
